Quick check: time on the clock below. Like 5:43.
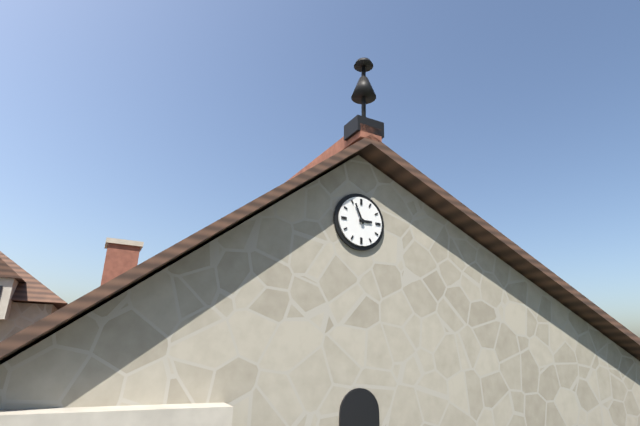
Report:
2:56
